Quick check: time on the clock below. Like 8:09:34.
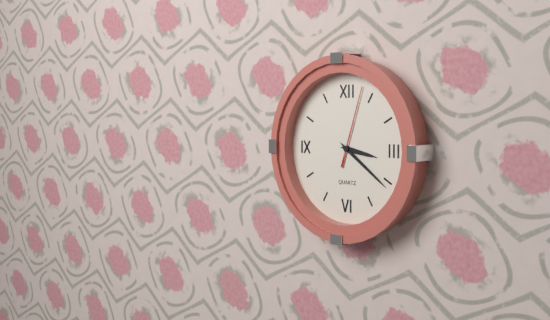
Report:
3:21:03
